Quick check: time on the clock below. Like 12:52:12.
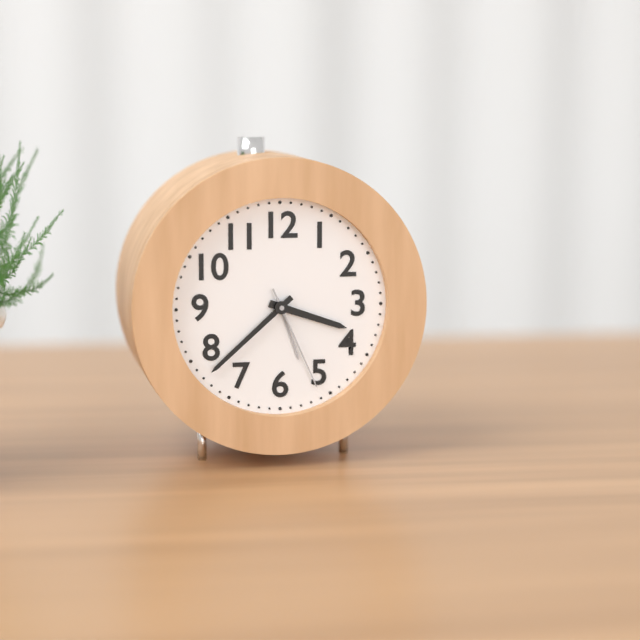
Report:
3:38:26
